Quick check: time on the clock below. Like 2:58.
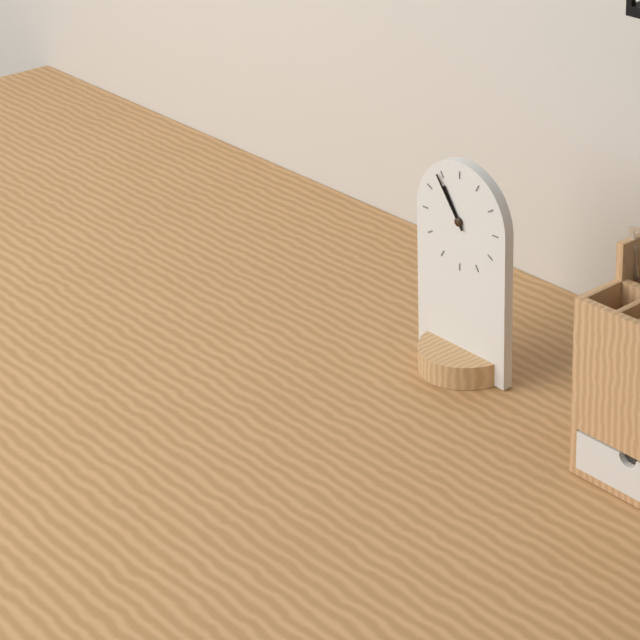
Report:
10:54
